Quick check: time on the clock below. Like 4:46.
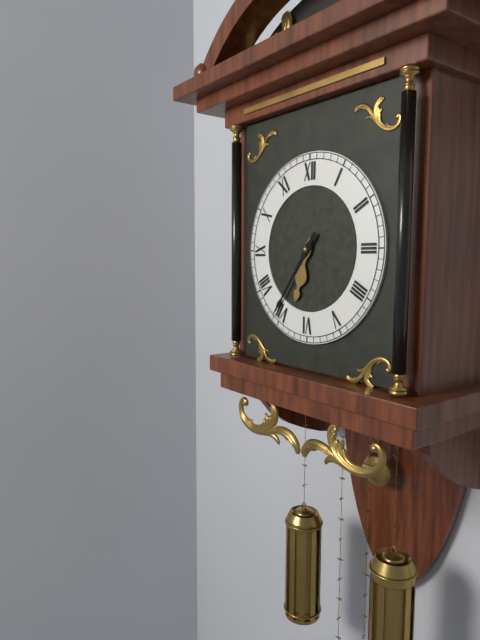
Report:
6:36
